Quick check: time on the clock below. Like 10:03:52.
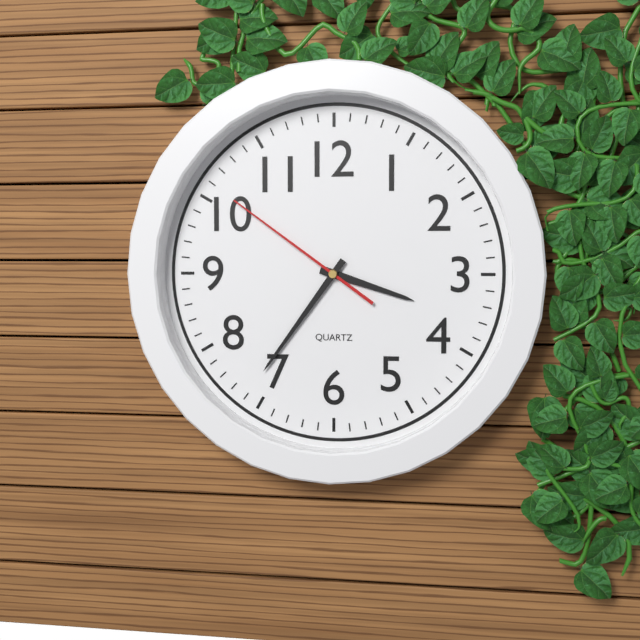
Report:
3:36:51
